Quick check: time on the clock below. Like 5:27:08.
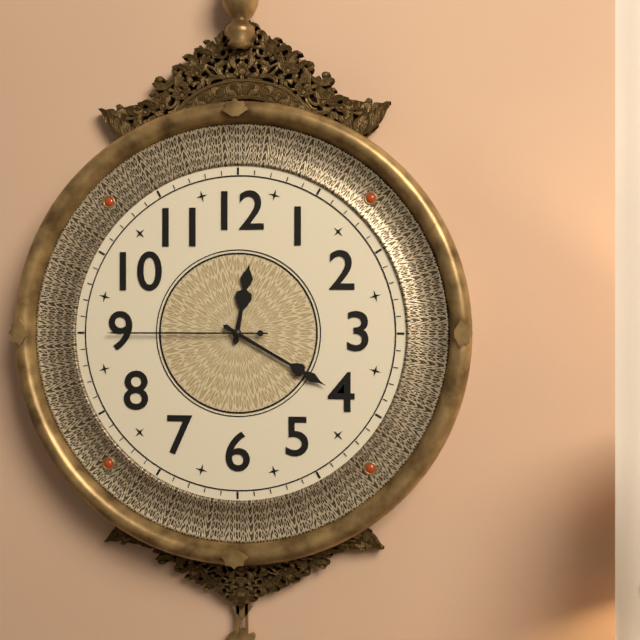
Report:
12:20:45
